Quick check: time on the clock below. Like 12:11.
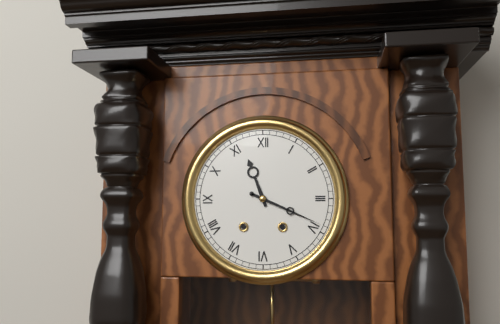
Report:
11:19
